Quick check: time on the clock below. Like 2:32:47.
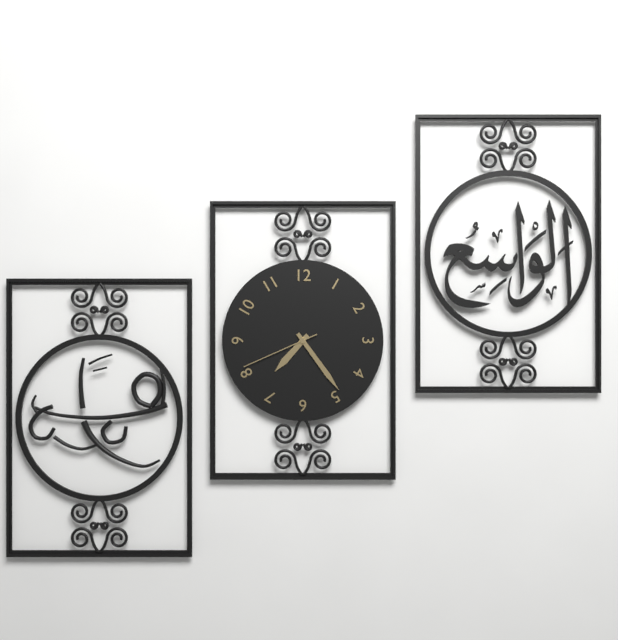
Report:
7:24:41
